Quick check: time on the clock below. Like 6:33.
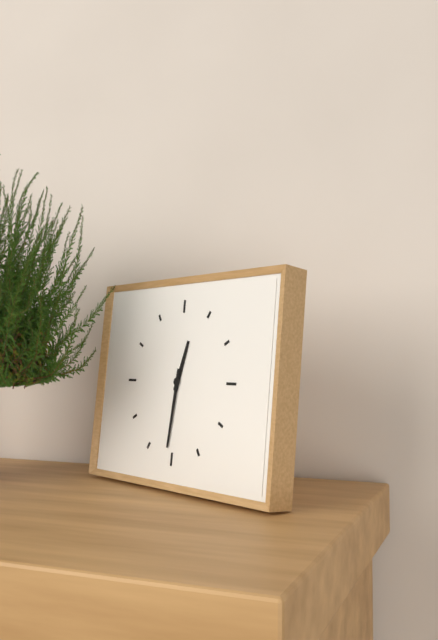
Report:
12:31
